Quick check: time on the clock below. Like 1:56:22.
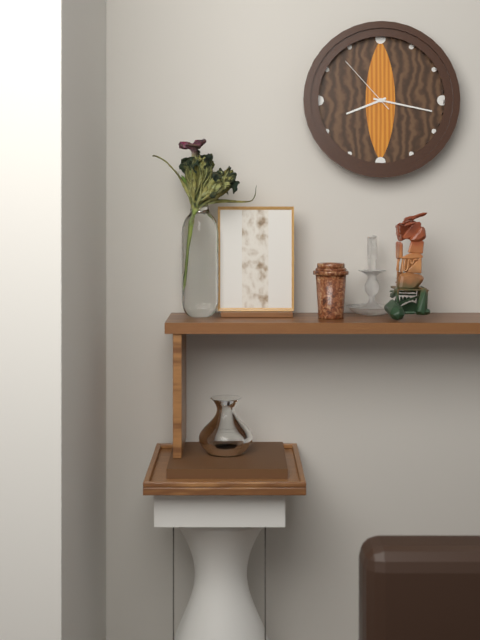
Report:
8:17:53
